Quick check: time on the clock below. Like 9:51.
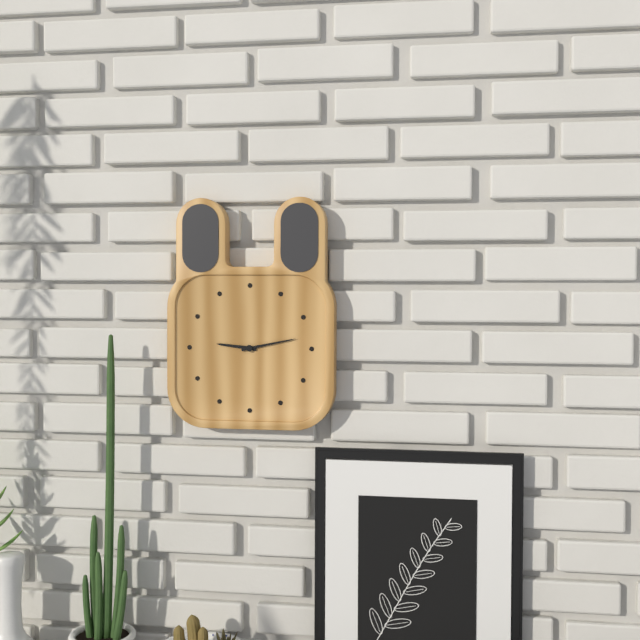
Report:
9:13
